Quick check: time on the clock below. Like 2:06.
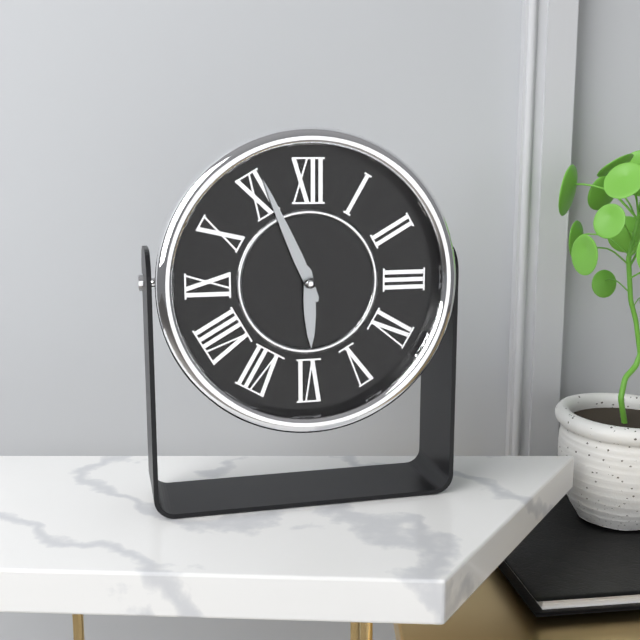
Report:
5:56
